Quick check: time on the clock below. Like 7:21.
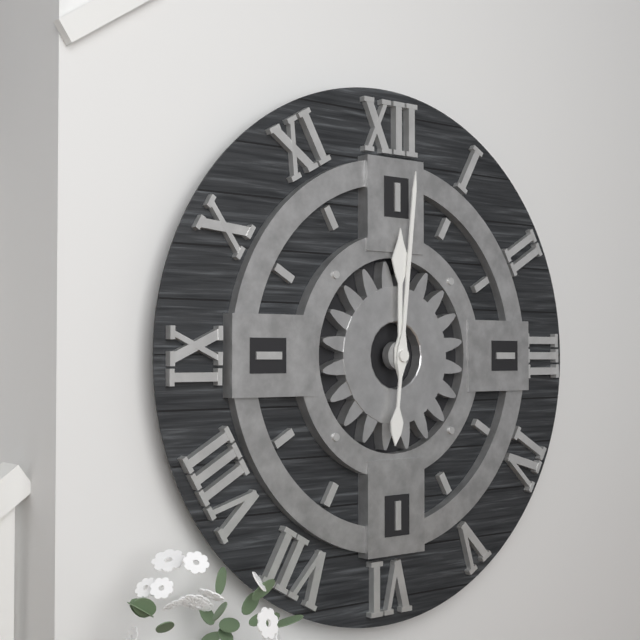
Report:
12:01
